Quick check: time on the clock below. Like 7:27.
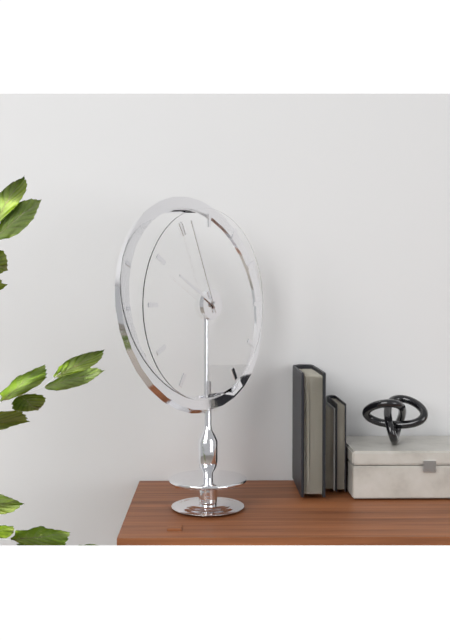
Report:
9:56
